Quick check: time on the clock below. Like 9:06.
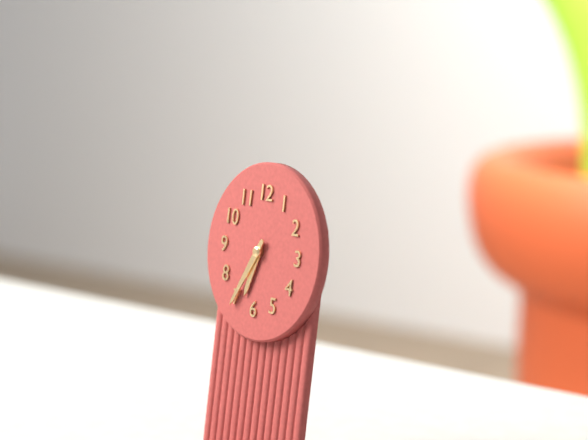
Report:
6:35
